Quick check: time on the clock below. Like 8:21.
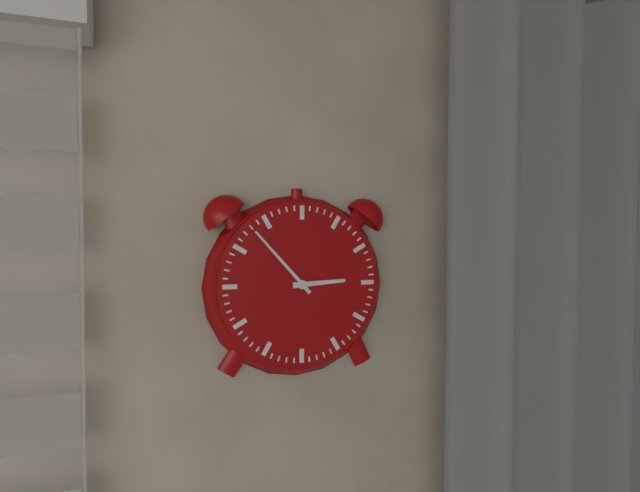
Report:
2:53
